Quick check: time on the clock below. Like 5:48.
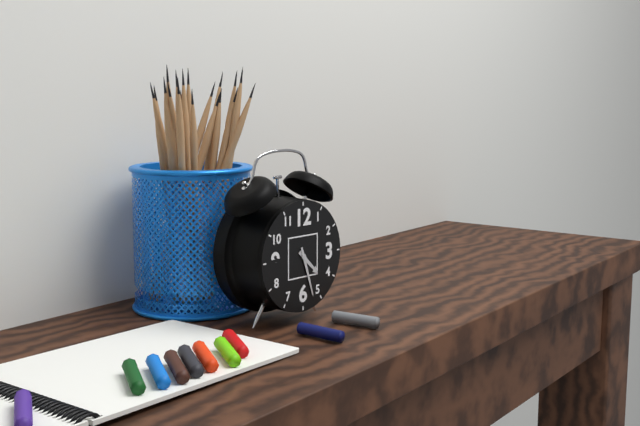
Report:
4:27
